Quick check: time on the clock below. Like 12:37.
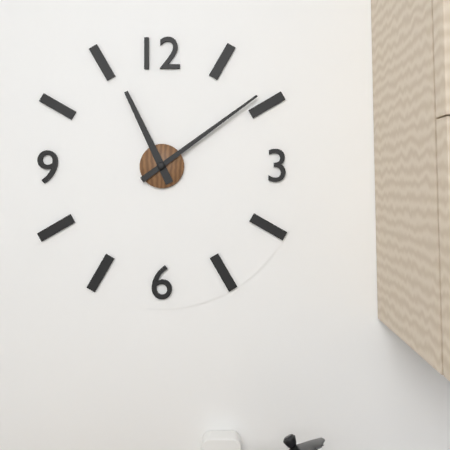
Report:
11:09
